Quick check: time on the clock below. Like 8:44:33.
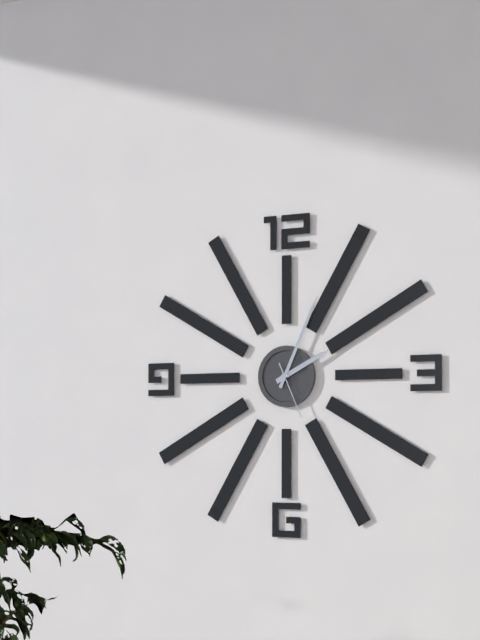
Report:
2:04:26
